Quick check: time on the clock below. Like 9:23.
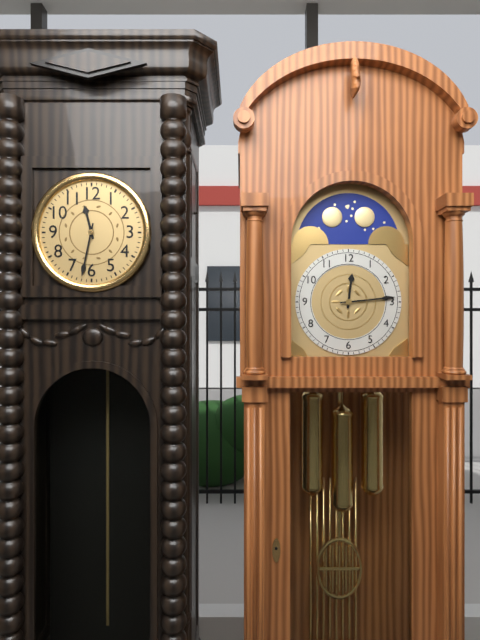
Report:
11:32
